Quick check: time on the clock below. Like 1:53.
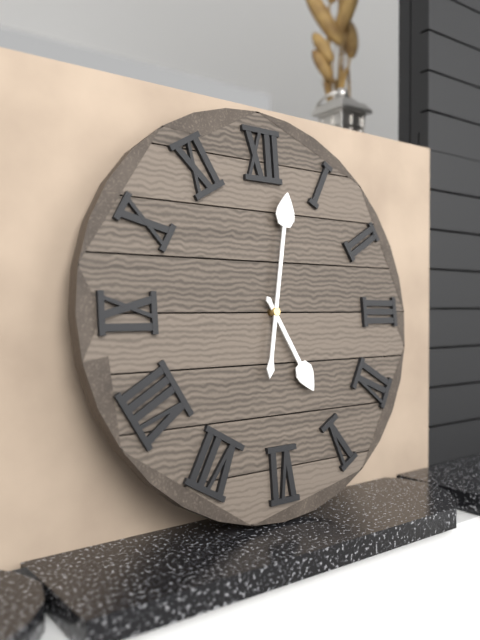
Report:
5:02
